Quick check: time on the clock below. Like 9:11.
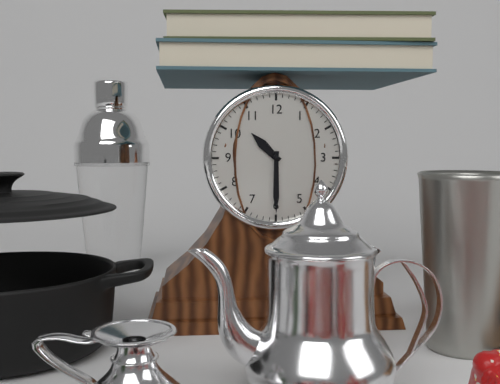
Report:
10:30
